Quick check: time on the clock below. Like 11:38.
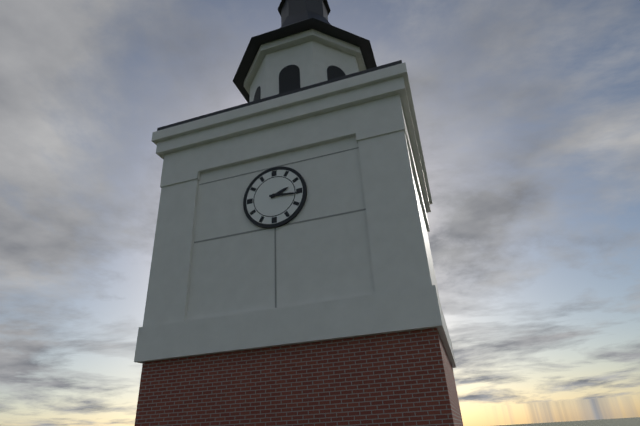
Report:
2:16
